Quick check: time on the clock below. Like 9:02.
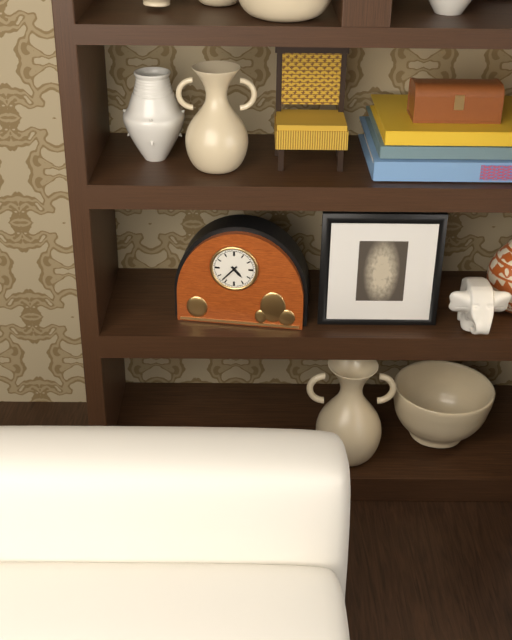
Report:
4:37
